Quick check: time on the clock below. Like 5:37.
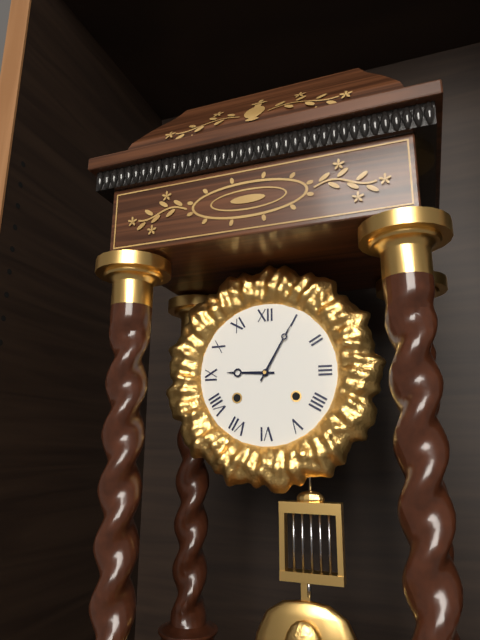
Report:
9:05
